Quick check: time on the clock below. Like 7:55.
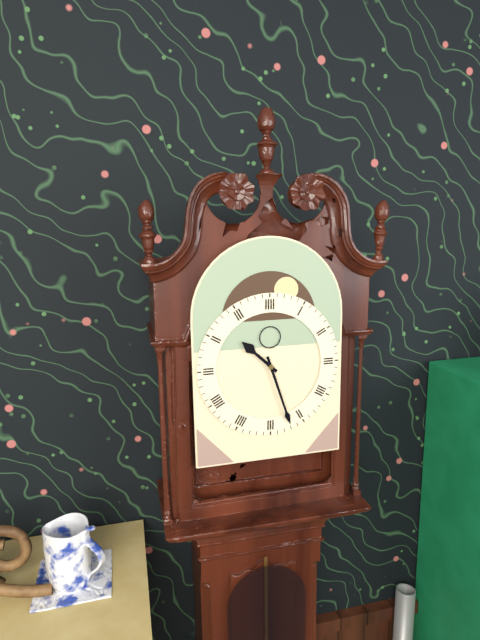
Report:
10:27
